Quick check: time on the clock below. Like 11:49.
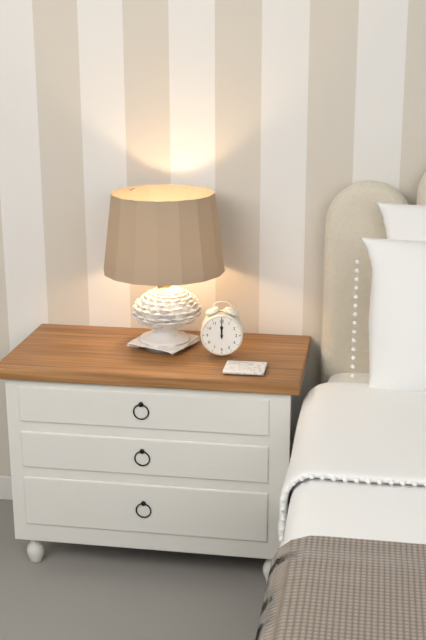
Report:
12:00
